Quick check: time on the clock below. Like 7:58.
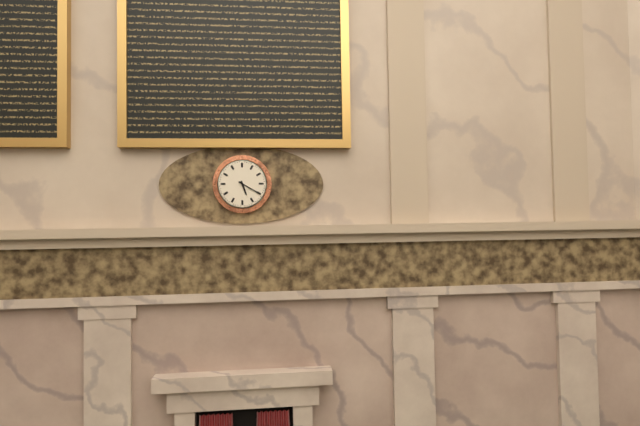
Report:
5:20
